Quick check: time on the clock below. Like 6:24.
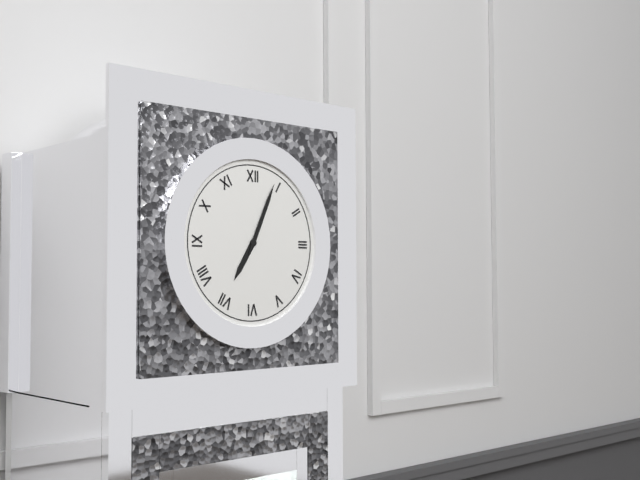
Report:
7:04
